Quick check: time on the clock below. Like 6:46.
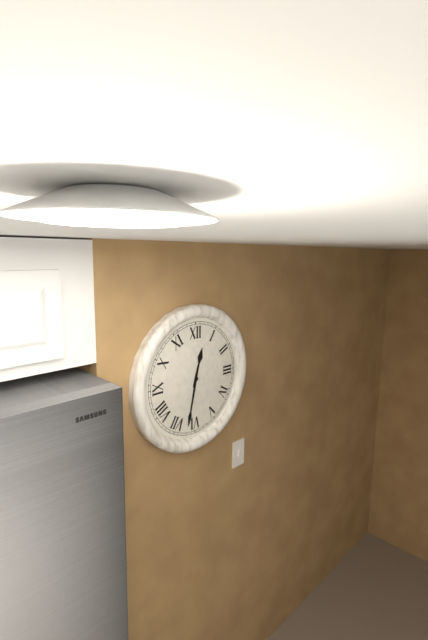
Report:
12:32
